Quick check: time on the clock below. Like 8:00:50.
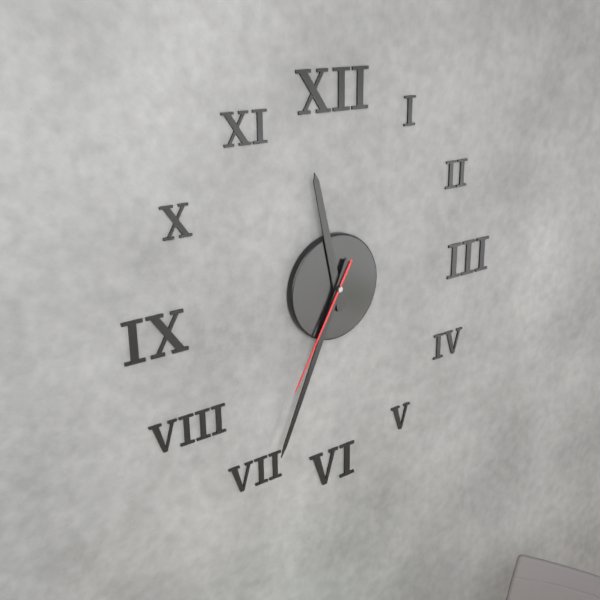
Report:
11:34:35
